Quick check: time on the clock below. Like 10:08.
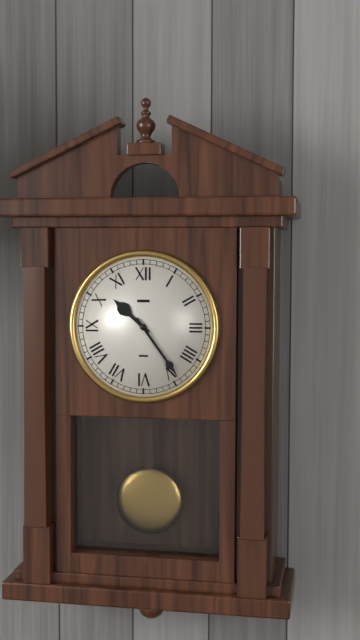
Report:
10:24
